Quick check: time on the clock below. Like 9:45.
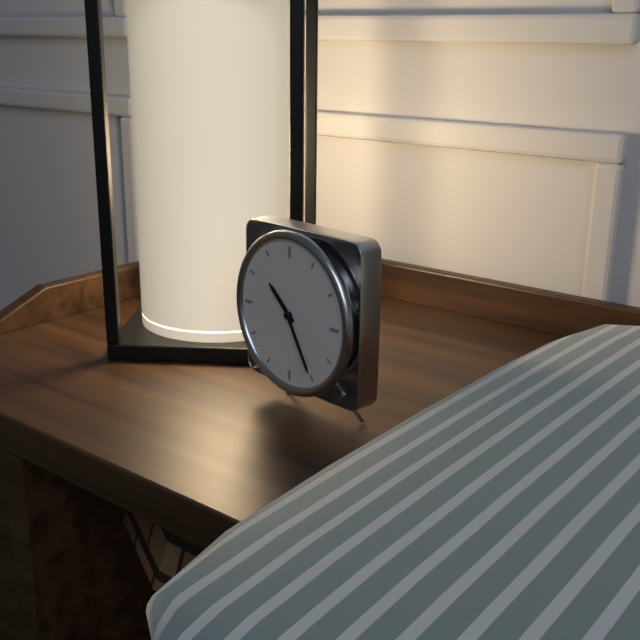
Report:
10:25
